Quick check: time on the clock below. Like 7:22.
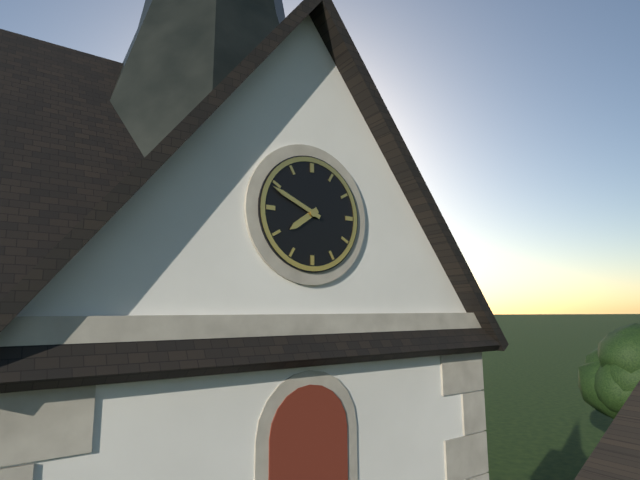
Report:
7:49
